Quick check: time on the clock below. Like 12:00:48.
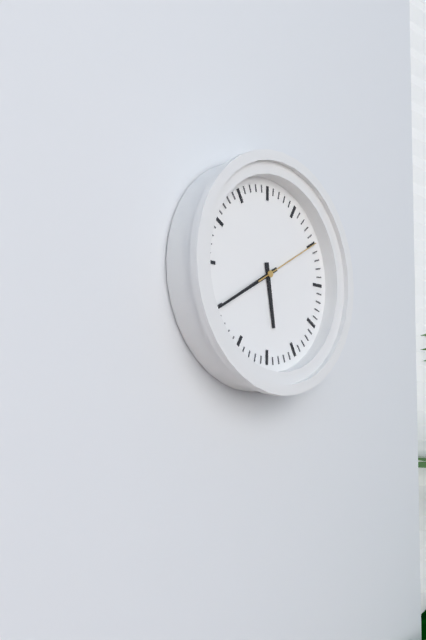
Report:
5:40:10
